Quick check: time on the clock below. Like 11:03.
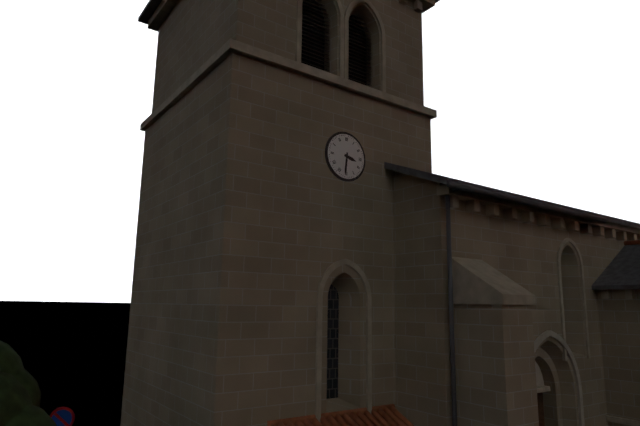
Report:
3:31
